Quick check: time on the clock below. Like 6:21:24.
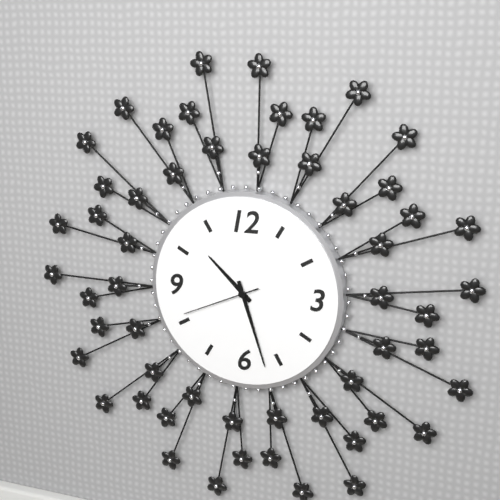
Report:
10:27:41
